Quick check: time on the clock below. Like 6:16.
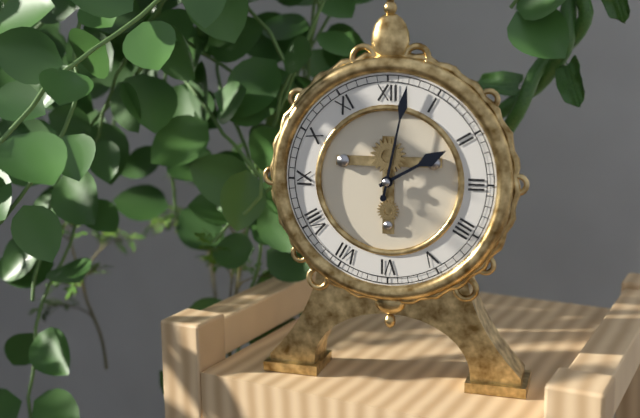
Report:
2:02
